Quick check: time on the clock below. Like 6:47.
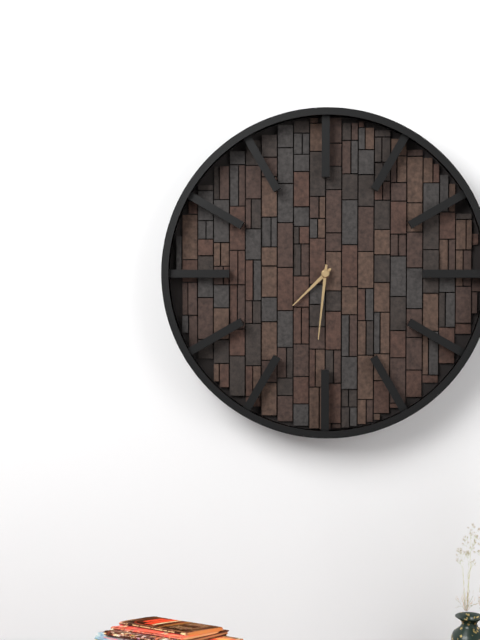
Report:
7:31
